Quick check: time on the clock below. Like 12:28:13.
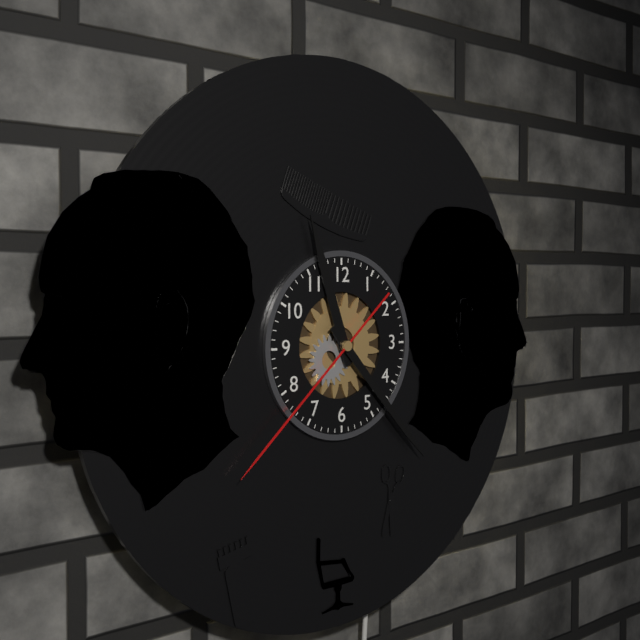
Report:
11:23:38
